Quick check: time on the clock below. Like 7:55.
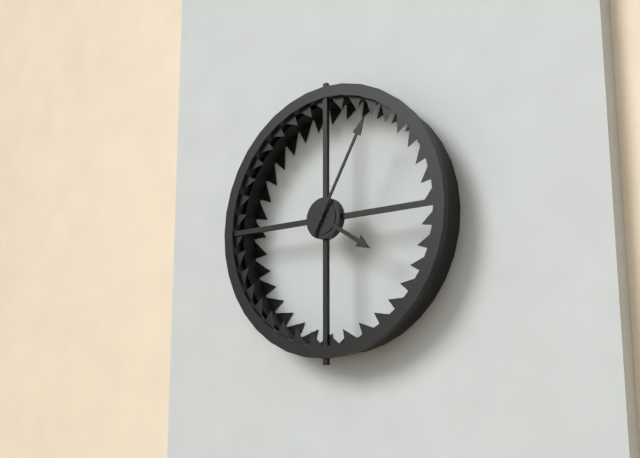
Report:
4:05
